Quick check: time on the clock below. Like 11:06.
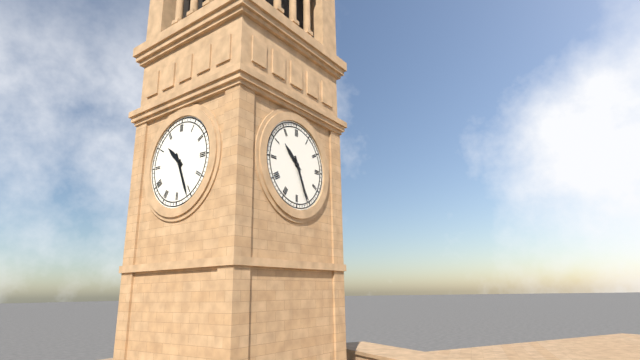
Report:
10:26
